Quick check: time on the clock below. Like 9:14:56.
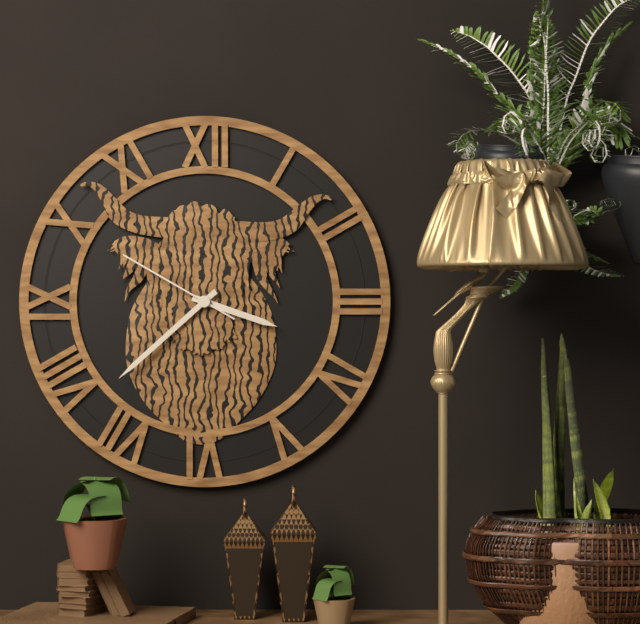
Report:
3:38:50
